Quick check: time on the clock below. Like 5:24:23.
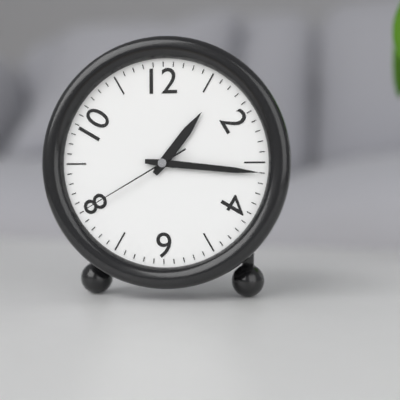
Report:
1:16:40
